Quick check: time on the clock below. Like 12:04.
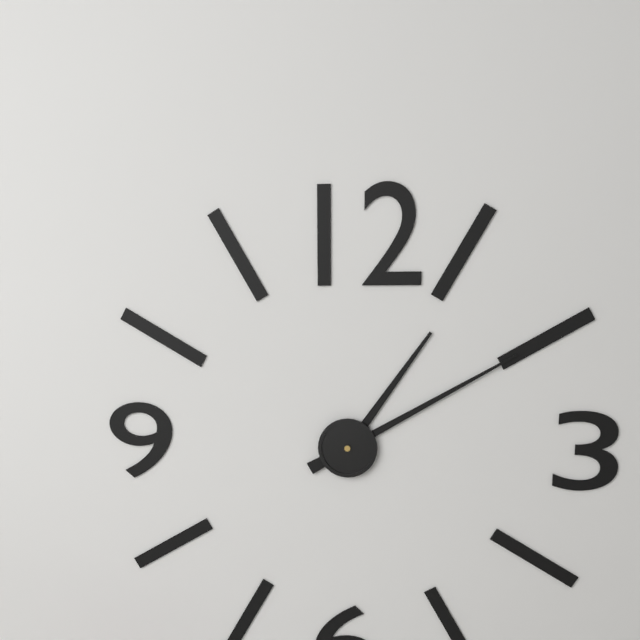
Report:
1:10
